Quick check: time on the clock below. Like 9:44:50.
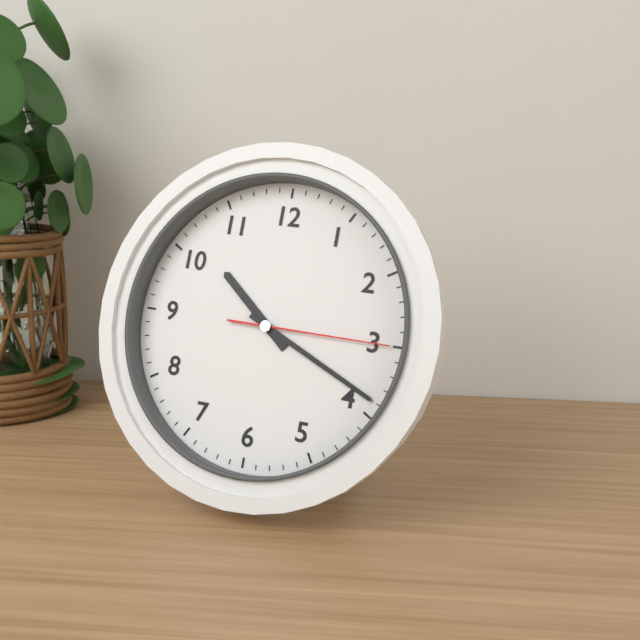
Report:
10:19:15
